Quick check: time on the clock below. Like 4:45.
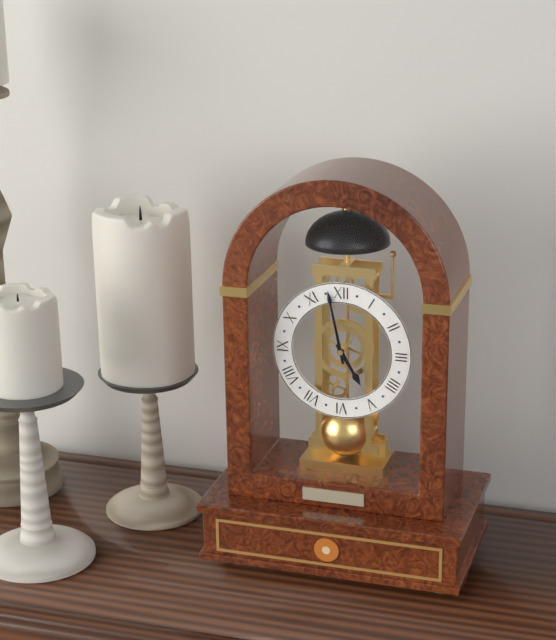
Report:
4:58
